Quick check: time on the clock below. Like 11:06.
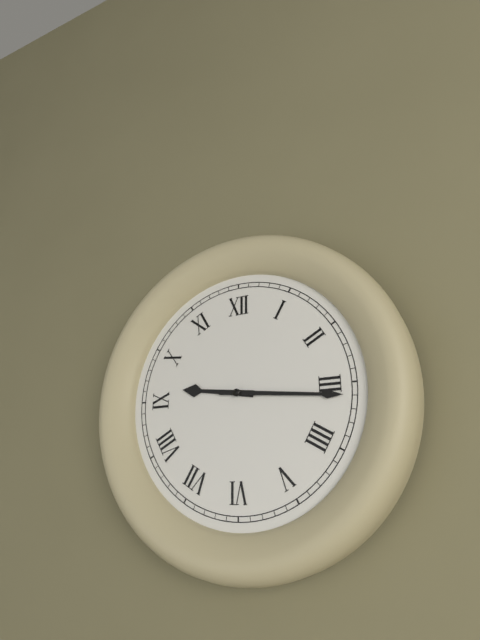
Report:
9:16
